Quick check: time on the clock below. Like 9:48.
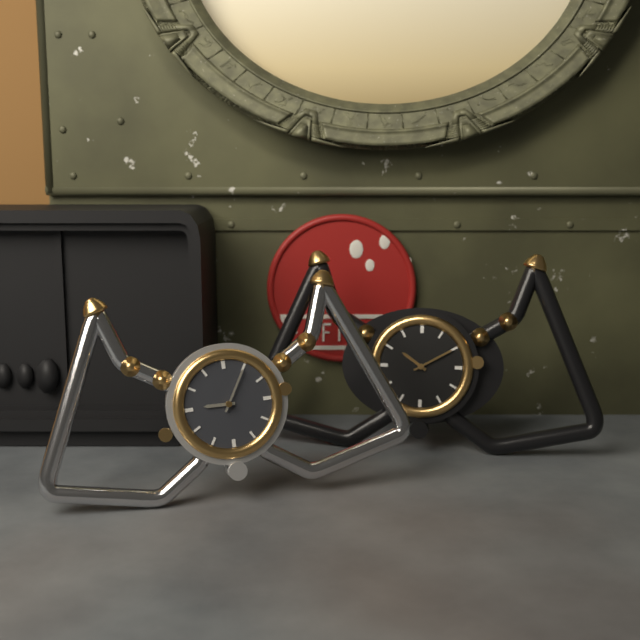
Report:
9:05
